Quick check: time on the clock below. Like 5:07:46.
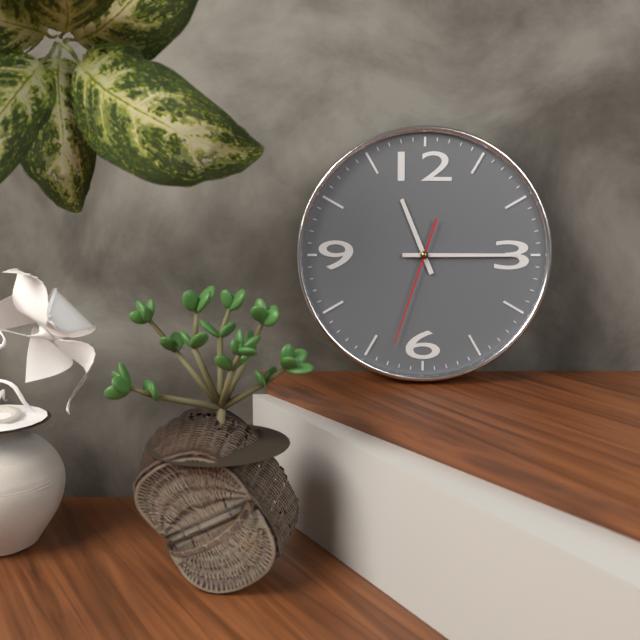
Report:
11:15:33
